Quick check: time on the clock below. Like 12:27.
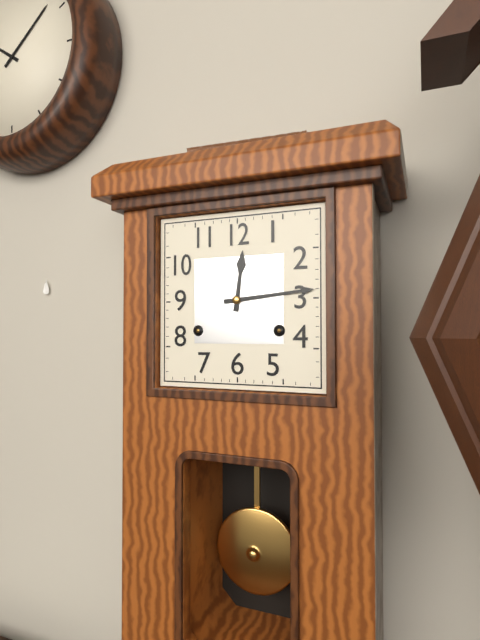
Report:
12:14
